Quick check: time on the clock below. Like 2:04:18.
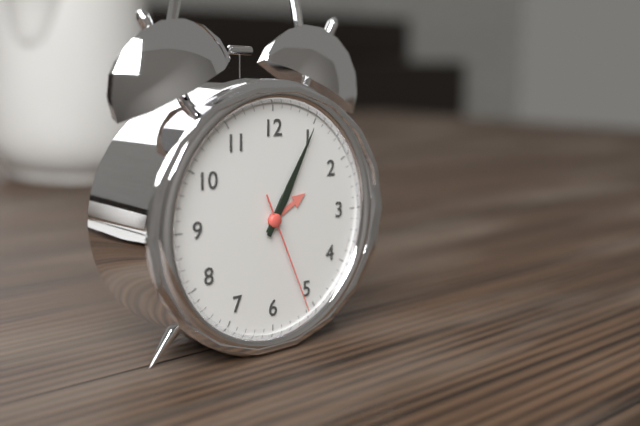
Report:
1:05:26
